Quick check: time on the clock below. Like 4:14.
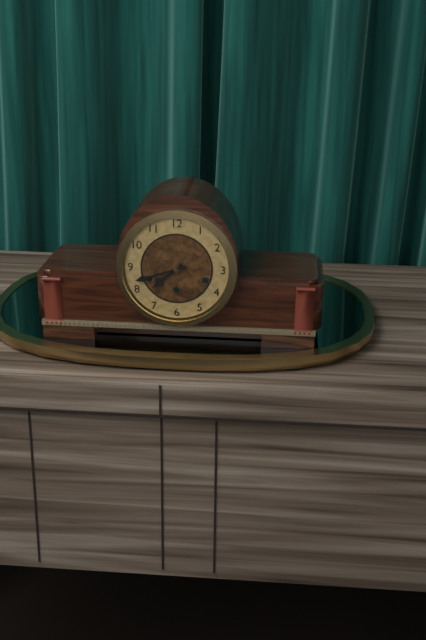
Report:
7:42
